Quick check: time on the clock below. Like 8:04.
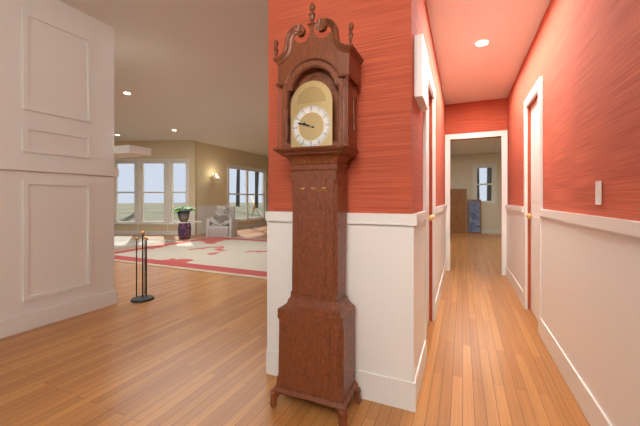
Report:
9:48
